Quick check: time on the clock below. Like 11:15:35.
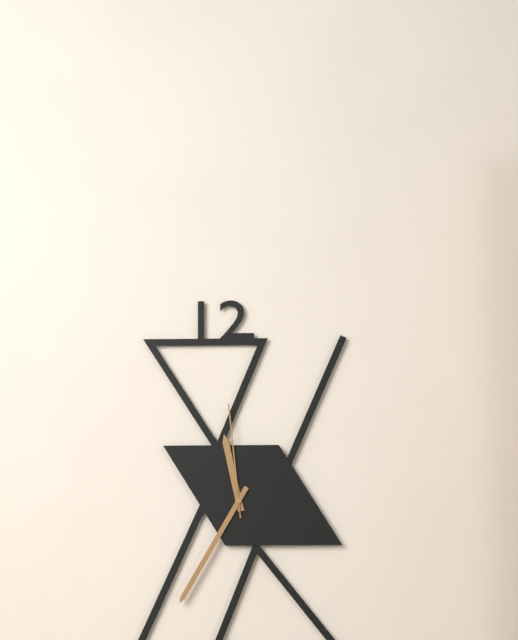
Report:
11:35:59
